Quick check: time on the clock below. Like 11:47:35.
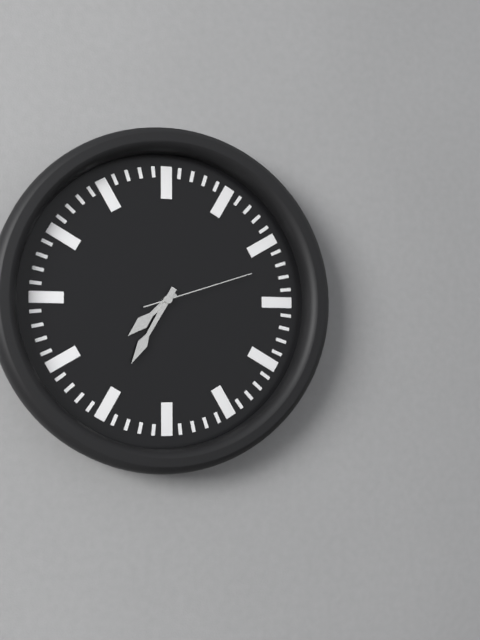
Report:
7:35:12
